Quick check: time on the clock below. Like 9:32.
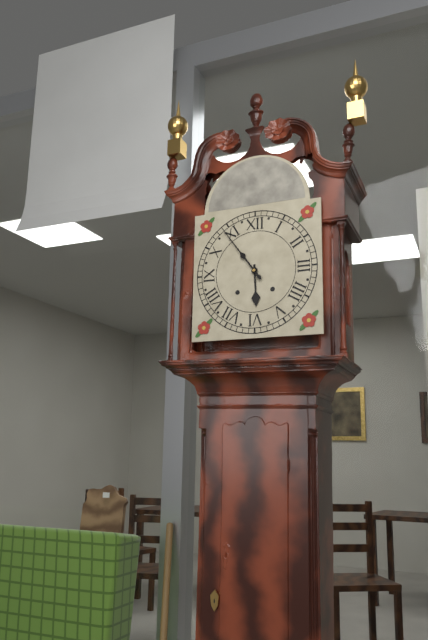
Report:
5:54
